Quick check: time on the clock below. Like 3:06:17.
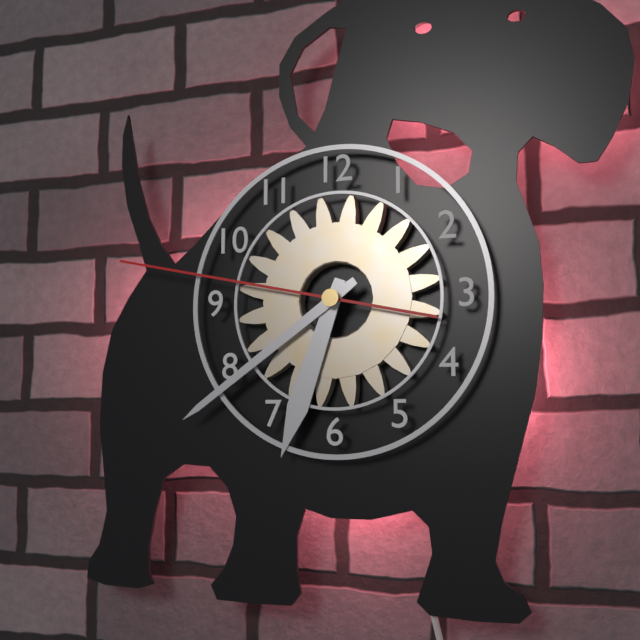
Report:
6:39:47
